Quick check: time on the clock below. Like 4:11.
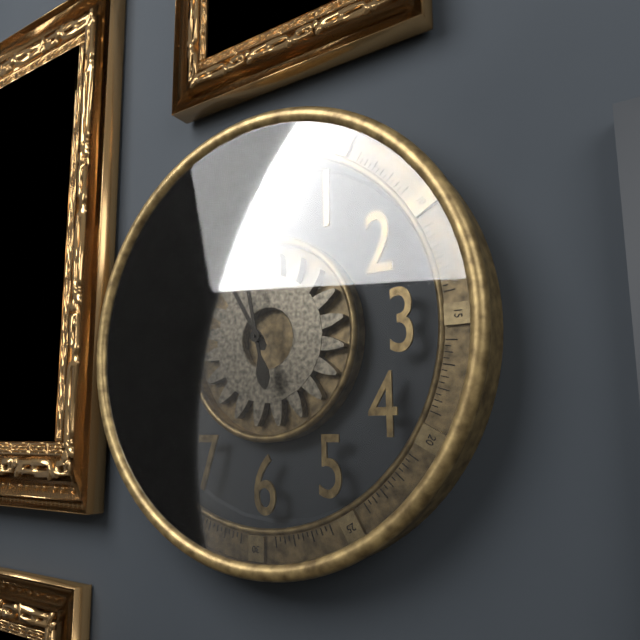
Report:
10:58
